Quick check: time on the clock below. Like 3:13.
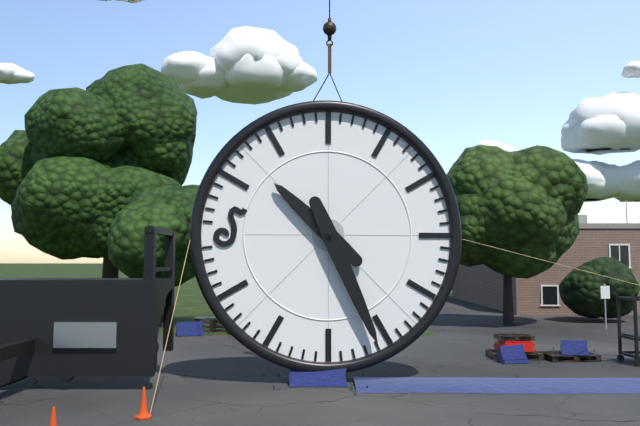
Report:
10:26
